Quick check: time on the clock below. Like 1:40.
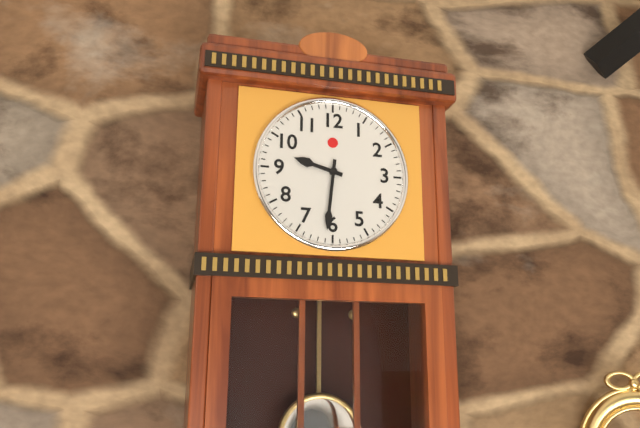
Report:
9:31
